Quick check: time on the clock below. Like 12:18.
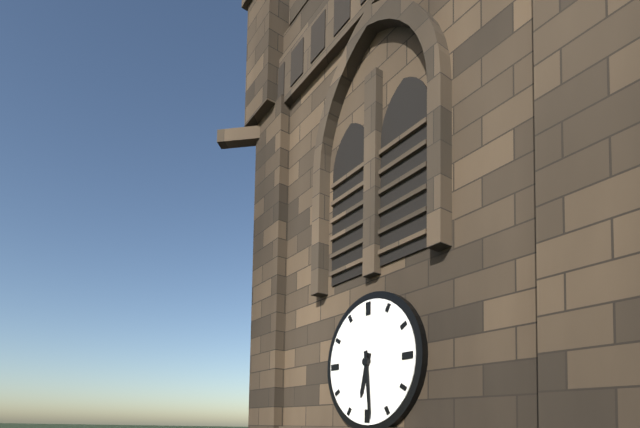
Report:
6:29
